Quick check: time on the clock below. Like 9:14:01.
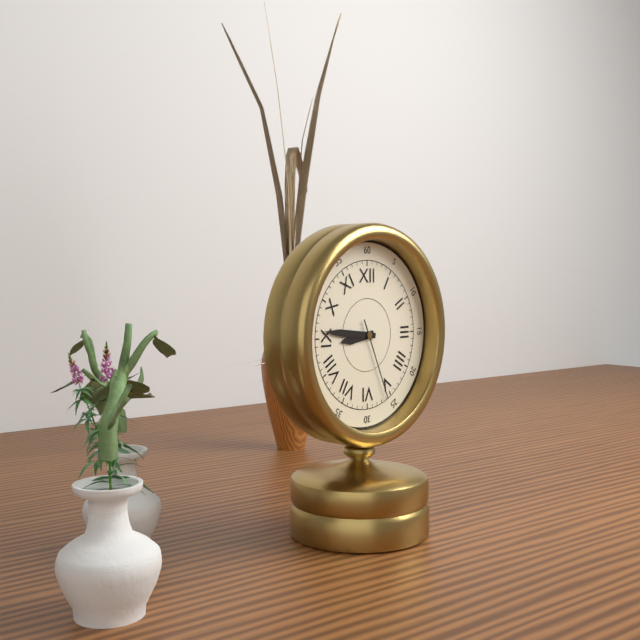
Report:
8:46:26
